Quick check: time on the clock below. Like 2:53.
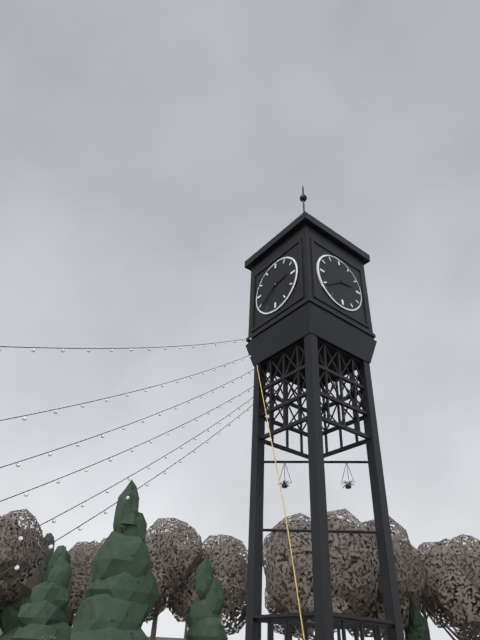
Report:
2:39
